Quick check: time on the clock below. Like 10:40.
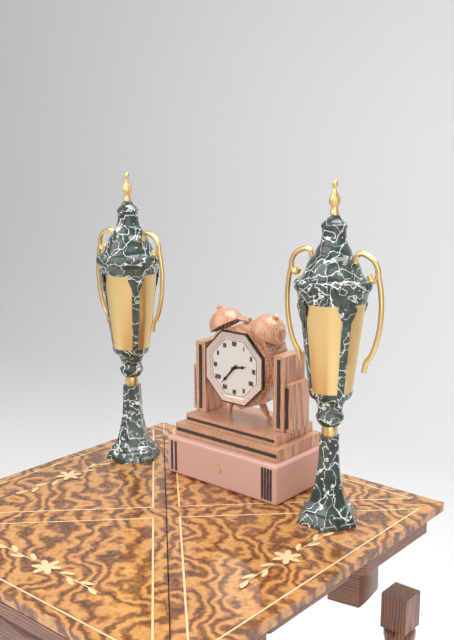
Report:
2:37
